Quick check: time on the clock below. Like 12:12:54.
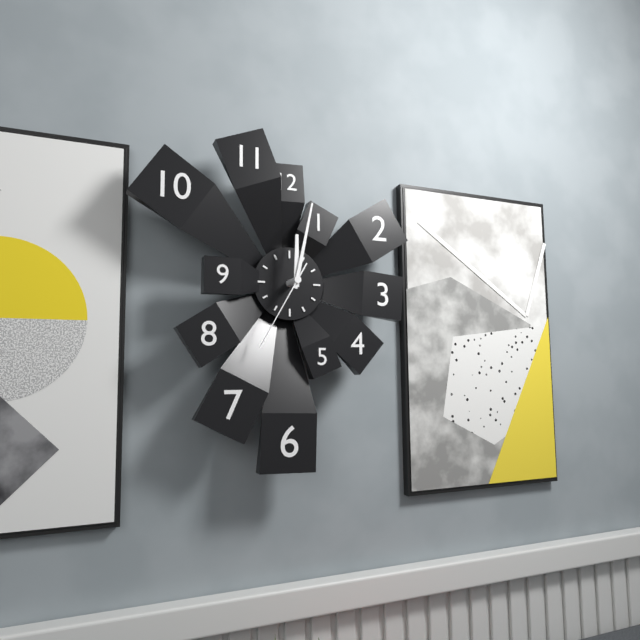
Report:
12:02:35
